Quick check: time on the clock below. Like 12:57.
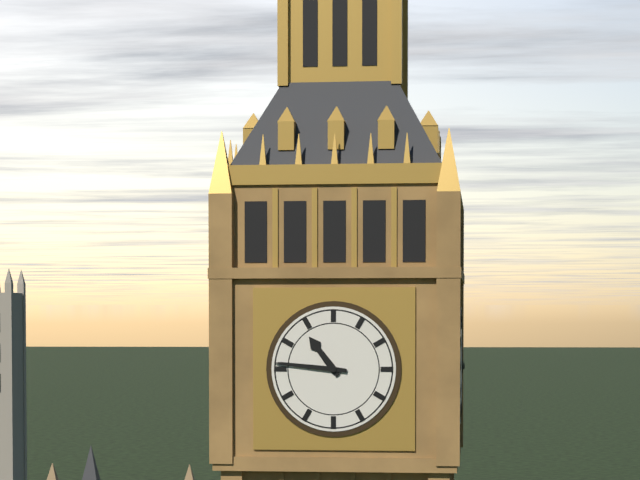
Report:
10:46
